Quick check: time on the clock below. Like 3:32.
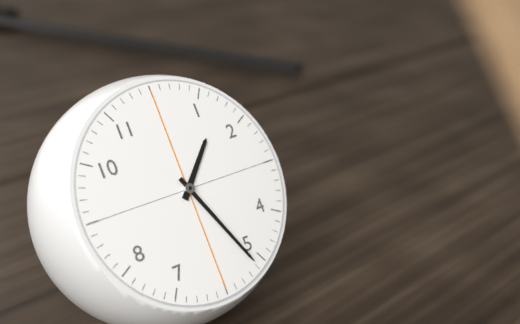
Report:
1:26
